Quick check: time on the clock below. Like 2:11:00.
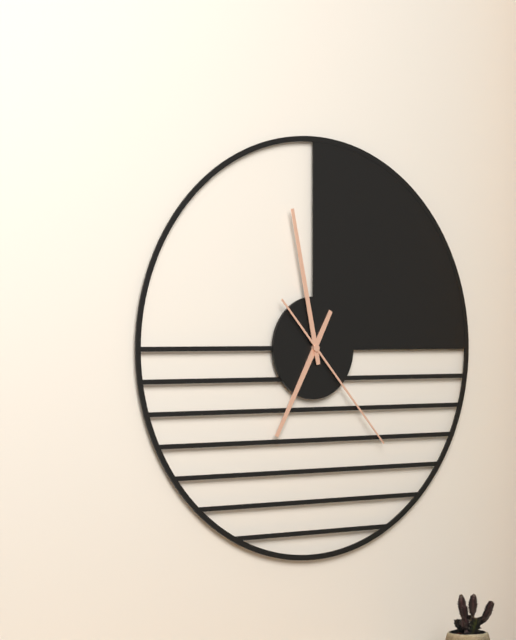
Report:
6:58:23
